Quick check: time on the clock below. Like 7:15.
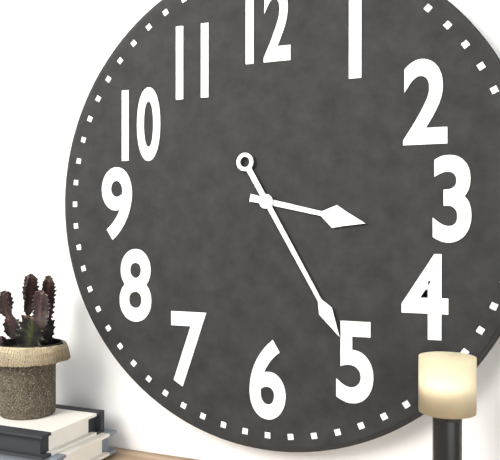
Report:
3:25
